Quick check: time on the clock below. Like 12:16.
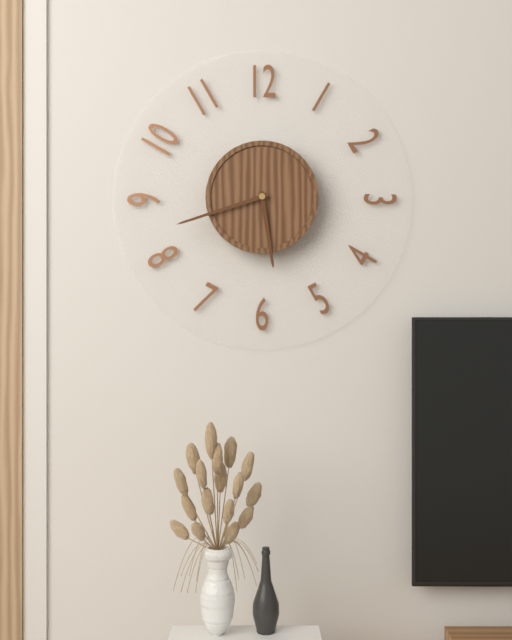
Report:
5:42
